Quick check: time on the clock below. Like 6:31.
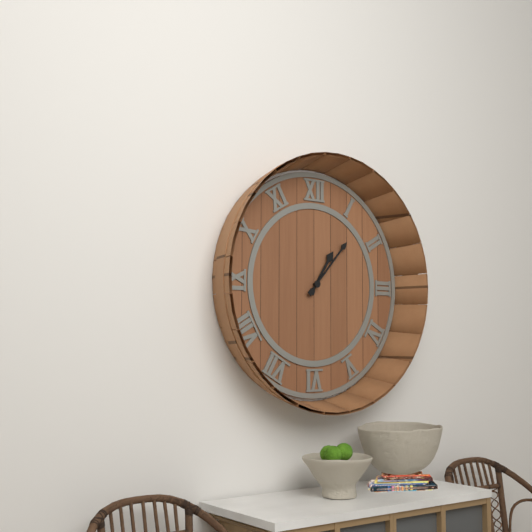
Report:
1:07
